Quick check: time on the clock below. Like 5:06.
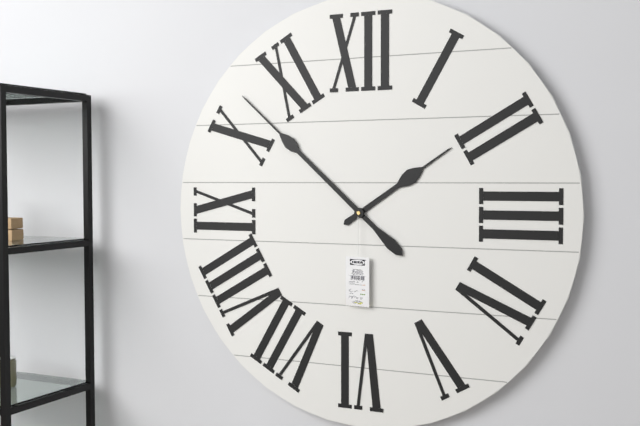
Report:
1:52
